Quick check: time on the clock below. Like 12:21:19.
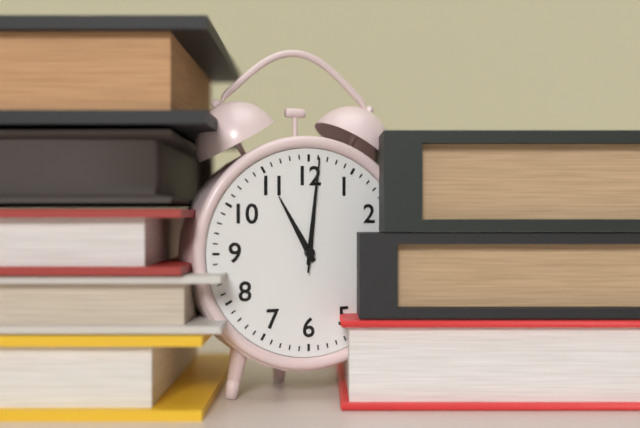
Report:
11:01:01
